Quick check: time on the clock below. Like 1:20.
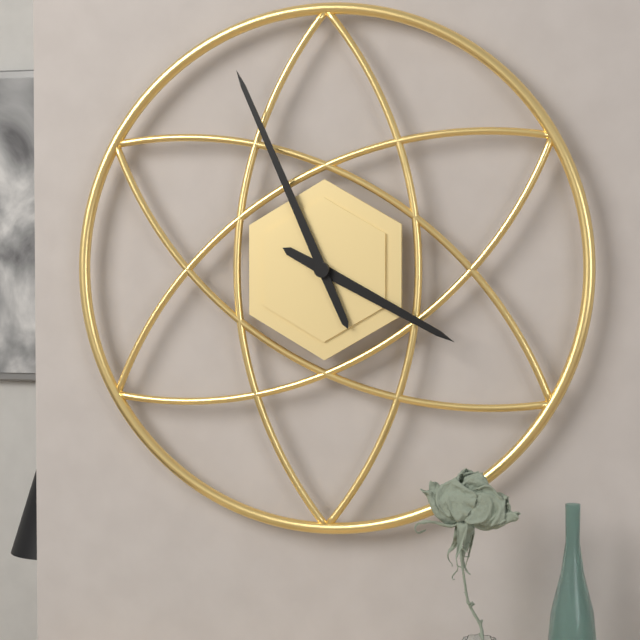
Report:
3:56
